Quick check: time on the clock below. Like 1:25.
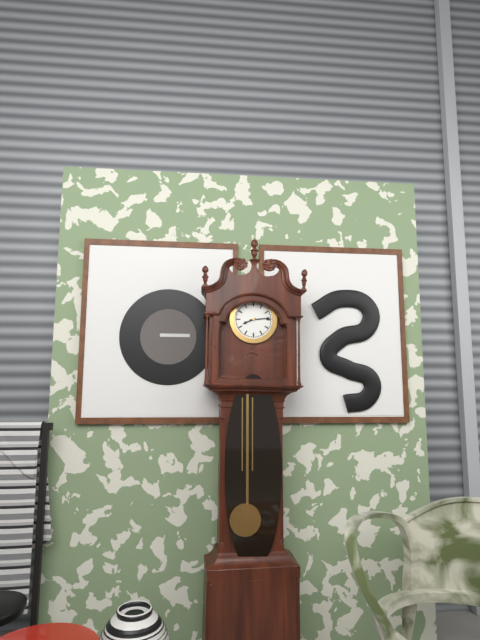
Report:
8:14
